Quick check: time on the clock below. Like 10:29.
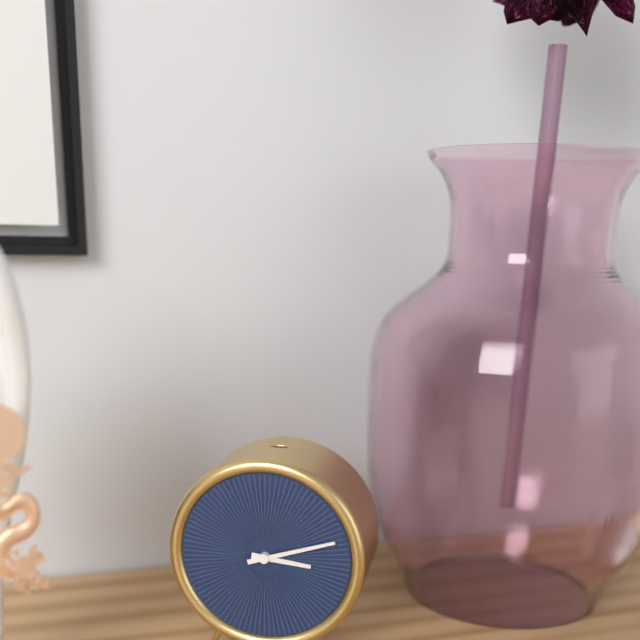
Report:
3:12
